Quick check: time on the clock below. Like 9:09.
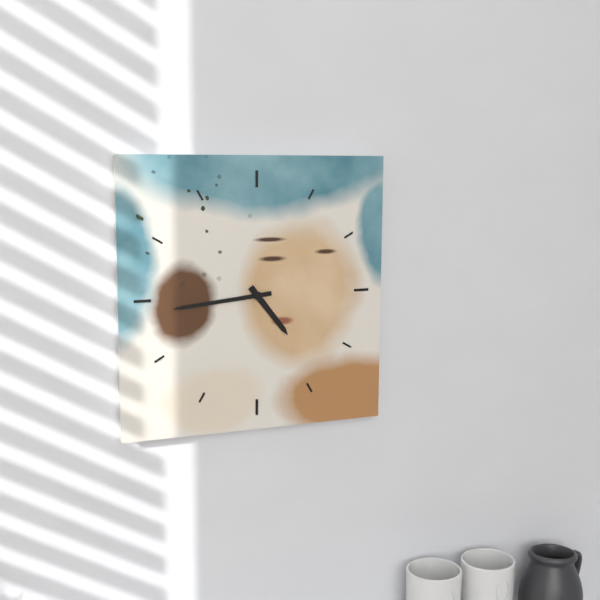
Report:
4:44
